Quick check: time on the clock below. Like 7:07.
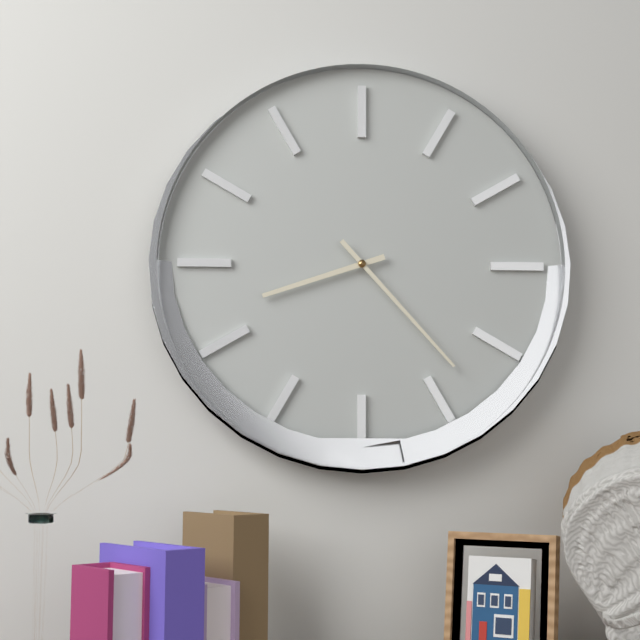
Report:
8:23
